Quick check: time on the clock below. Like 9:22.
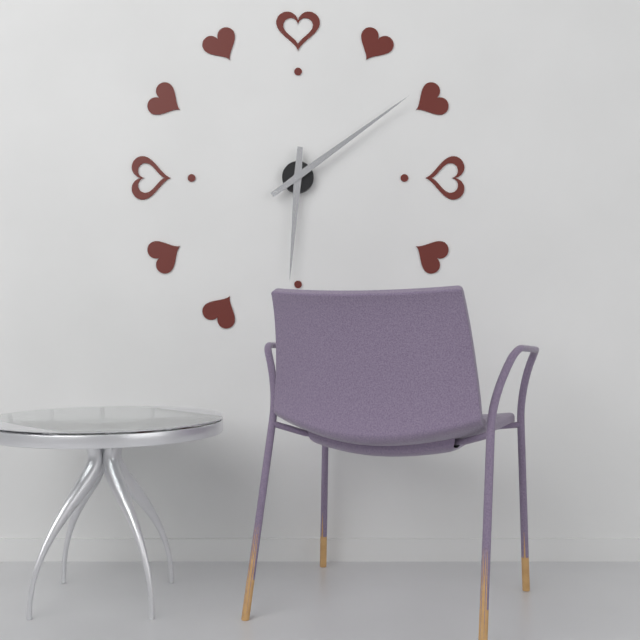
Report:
6:09
